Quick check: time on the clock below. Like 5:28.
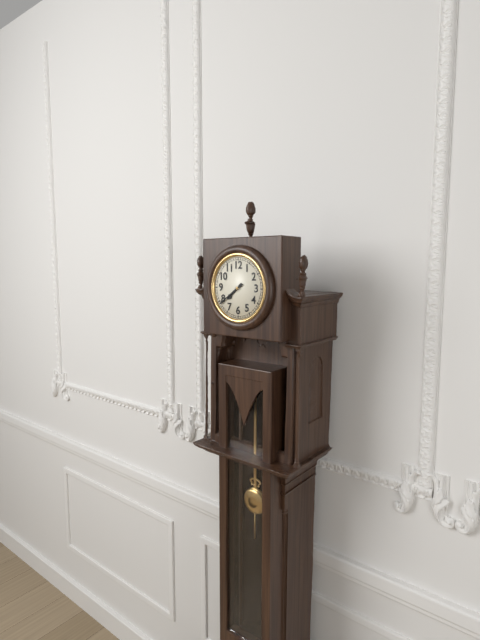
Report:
7:39
